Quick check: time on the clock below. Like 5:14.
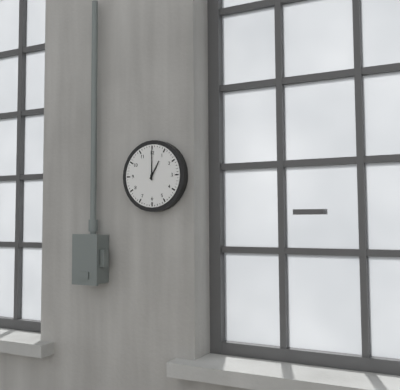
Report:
1:00
